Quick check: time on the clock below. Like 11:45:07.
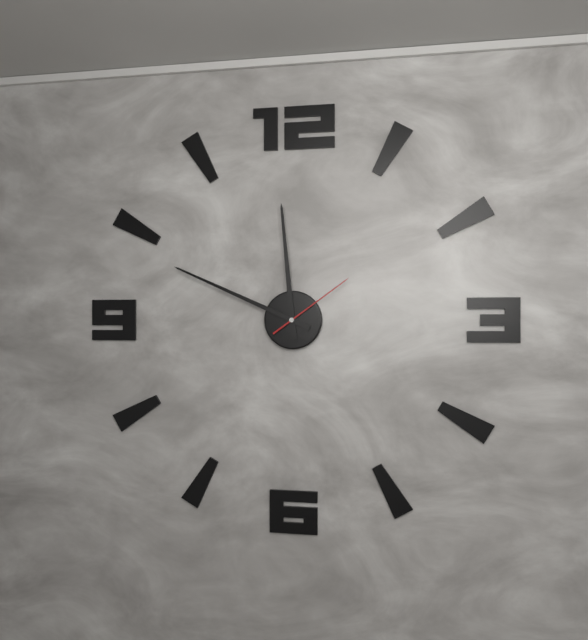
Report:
11:49:09
